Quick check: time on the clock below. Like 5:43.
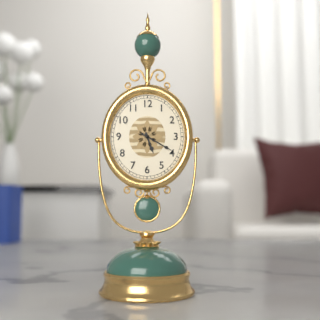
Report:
5:20
